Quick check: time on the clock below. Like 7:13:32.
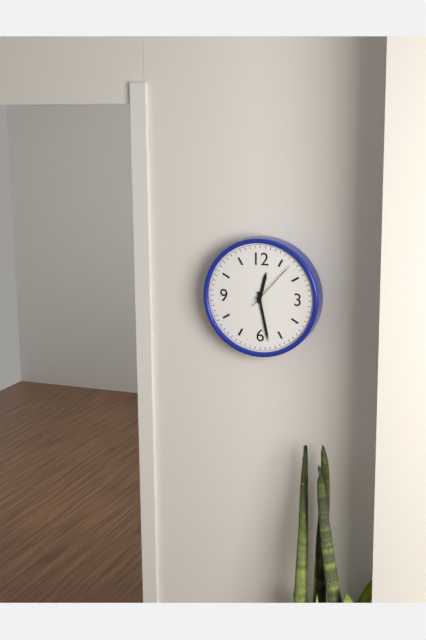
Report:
12:28:07
